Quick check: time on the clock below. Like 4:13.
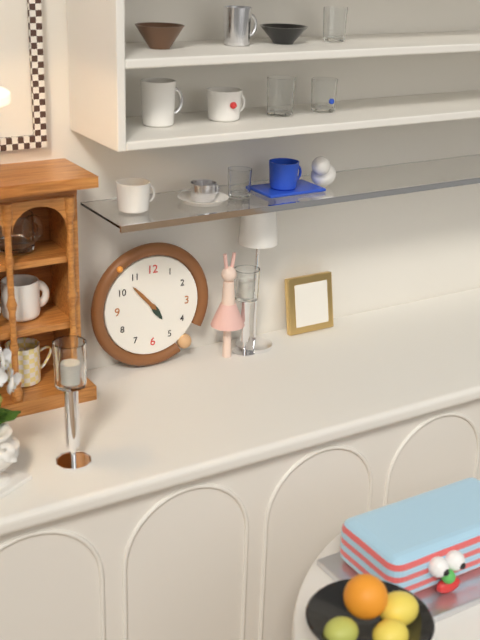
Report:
4:53
